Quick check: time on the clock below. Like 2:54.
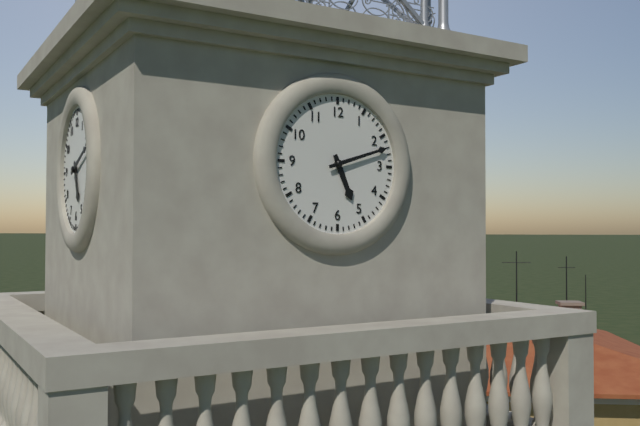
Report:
5:12
